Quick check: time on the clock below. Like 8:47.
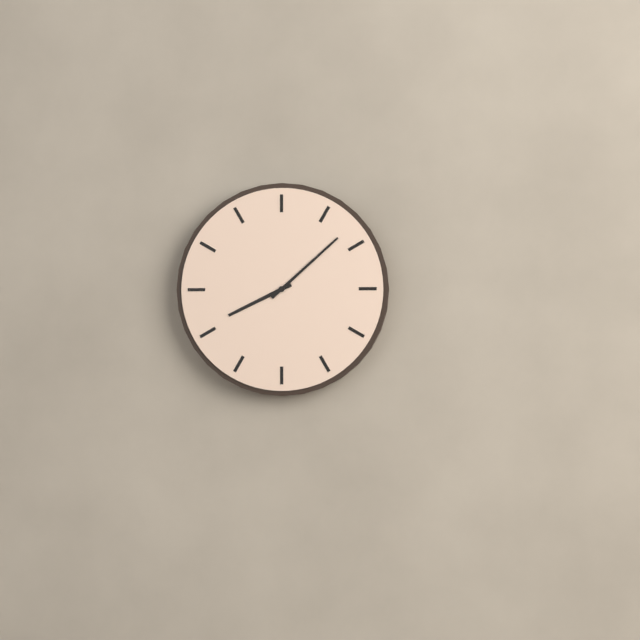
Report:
8:08
